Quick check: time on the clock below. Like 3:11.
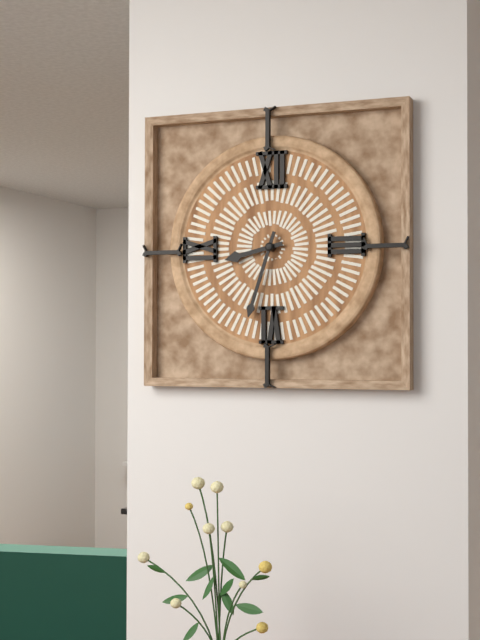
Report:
8:33
